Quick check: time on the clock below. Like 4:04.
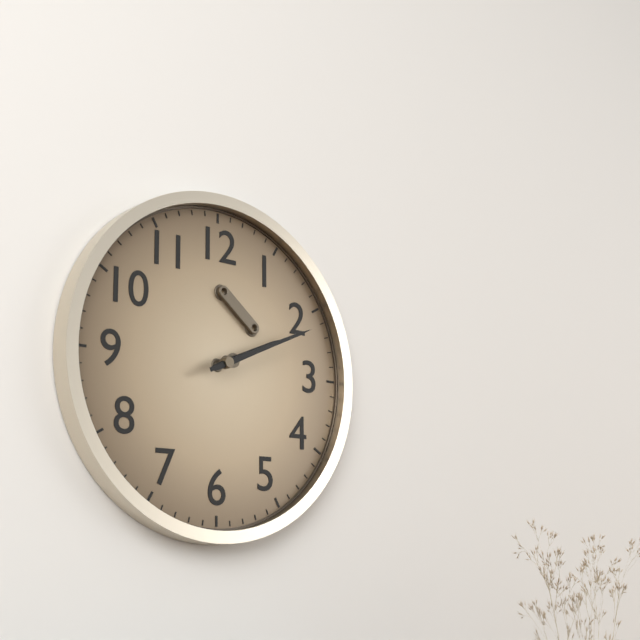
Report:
2:11
